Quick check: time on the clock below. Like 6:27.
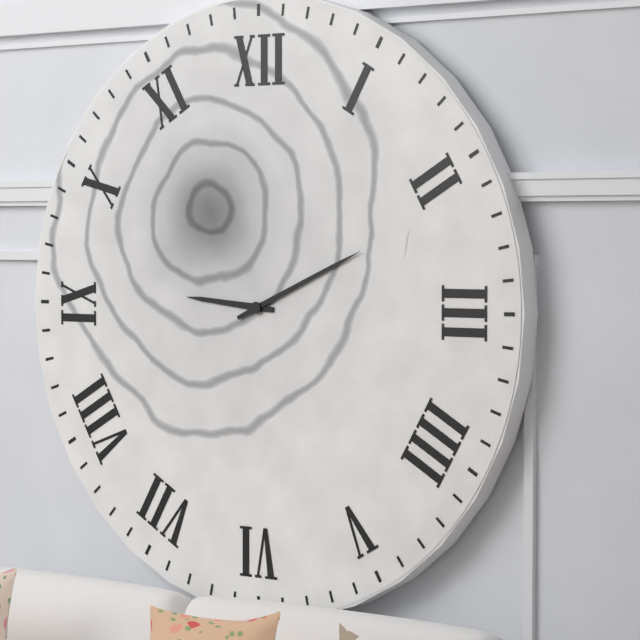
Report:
9:11
